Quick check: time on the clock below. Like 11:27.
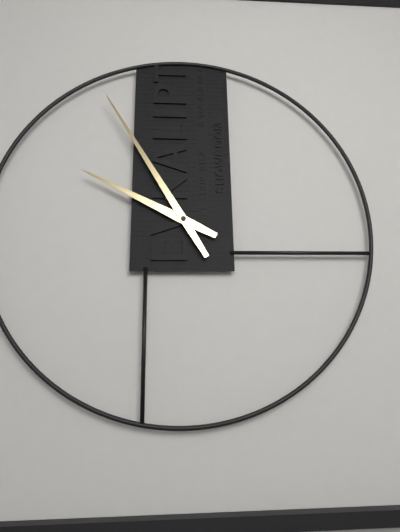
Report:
9:55
